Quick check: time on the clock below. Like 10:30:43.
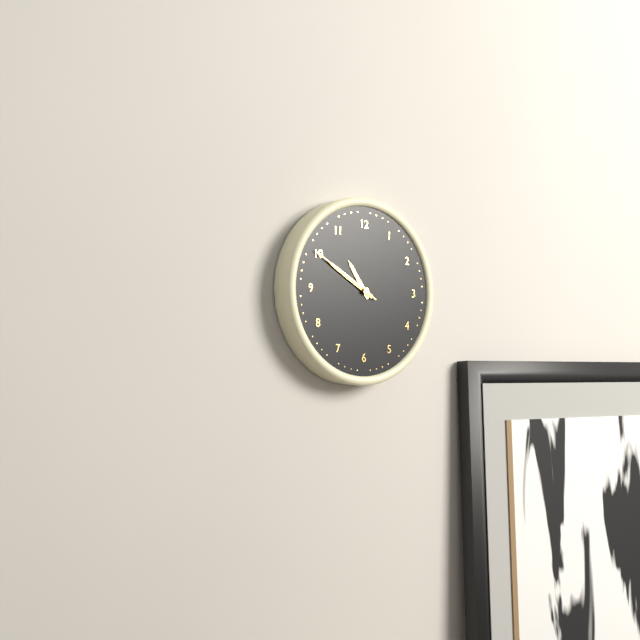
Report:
10:50:50
